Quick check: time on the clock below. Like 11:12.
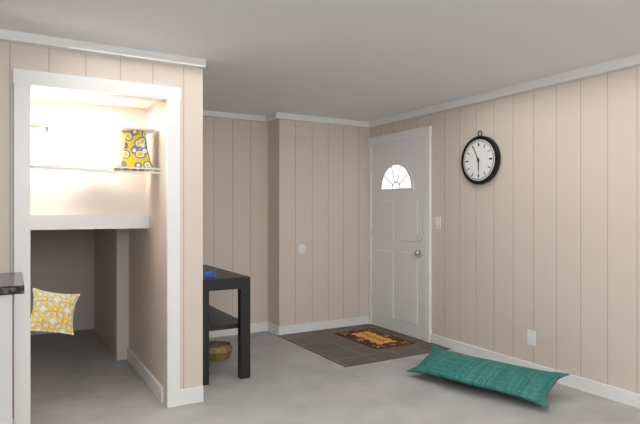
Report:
5:56
